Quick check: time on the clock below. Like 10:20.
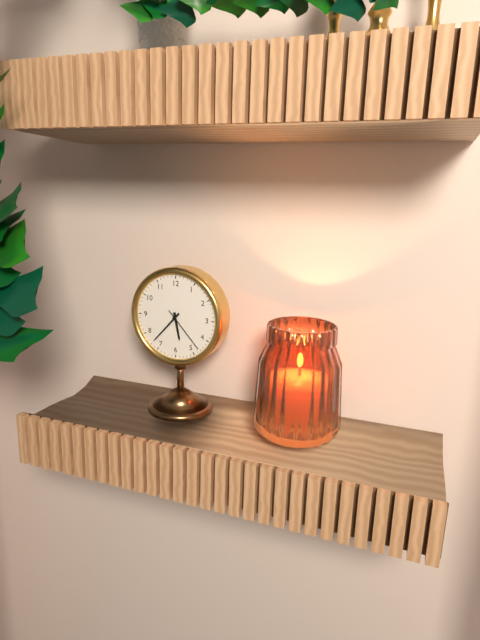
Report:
5:37
